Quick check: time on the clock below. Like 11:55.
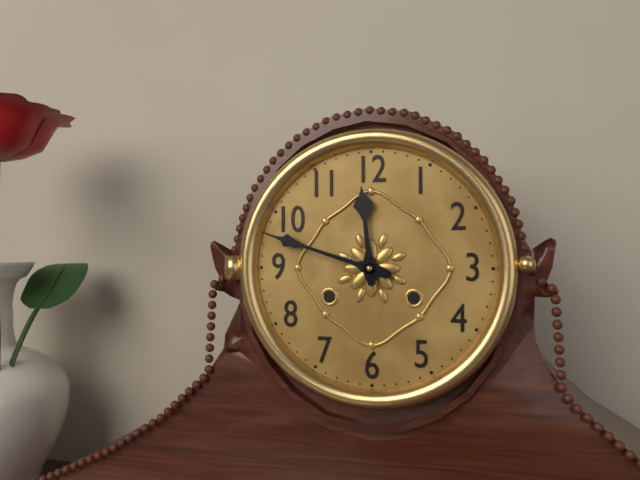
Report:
11:48
